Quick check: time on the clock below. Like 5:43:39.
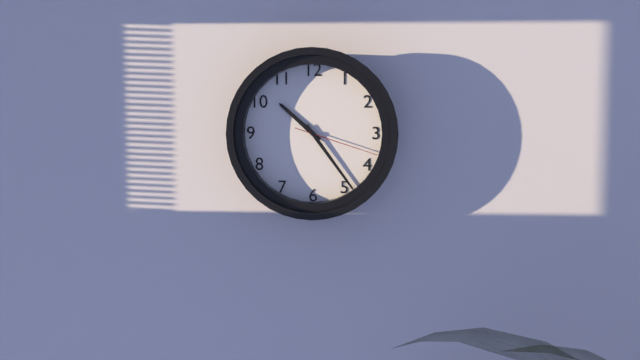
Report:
10:24:18
